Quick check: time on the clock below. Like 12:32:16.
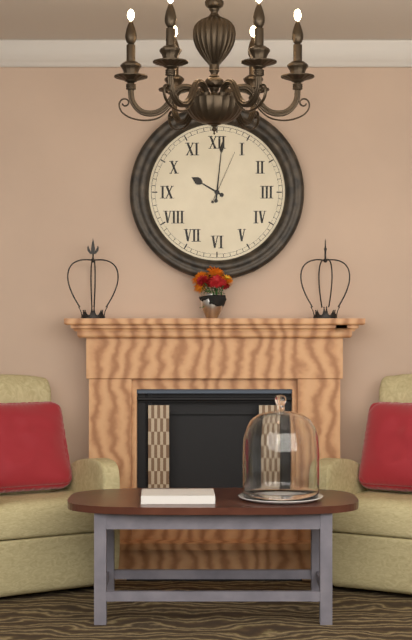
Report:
10:01:04
